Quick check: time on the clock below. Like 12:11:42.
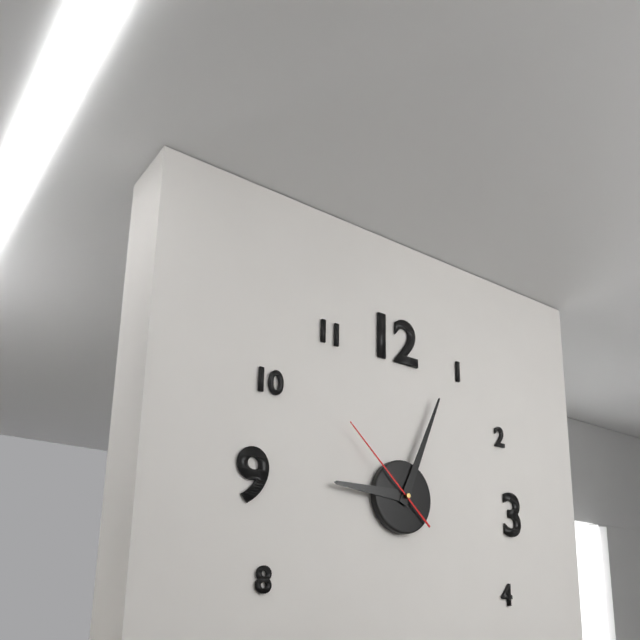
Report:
9:04:52
